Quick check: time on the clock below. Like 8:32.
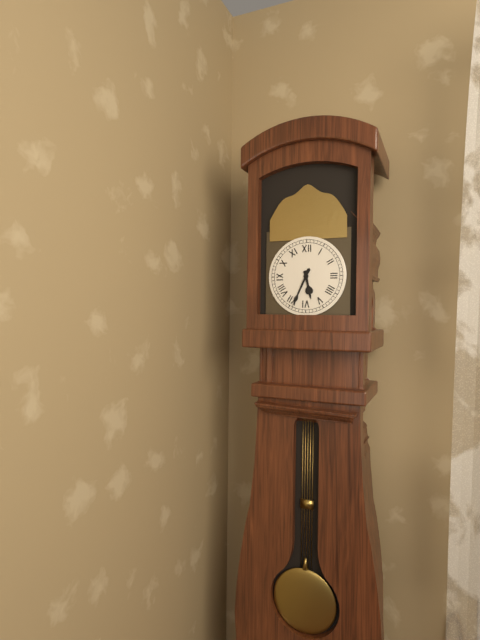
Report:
5:34
